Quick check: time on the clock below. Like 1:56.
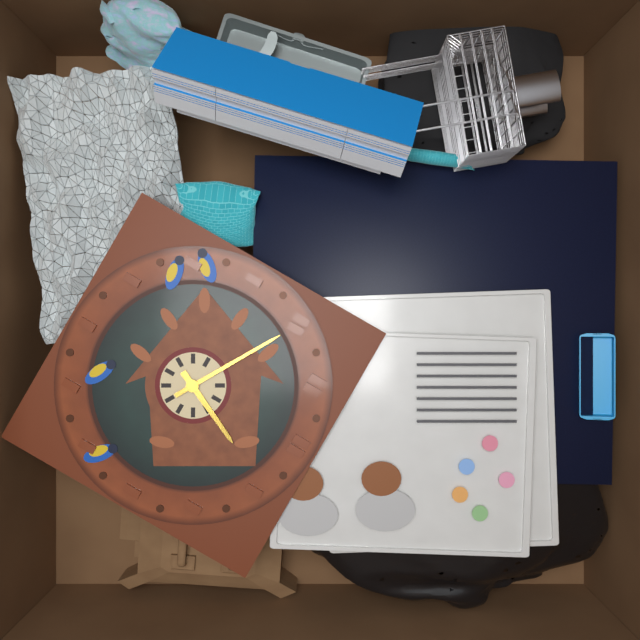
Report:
12:50
